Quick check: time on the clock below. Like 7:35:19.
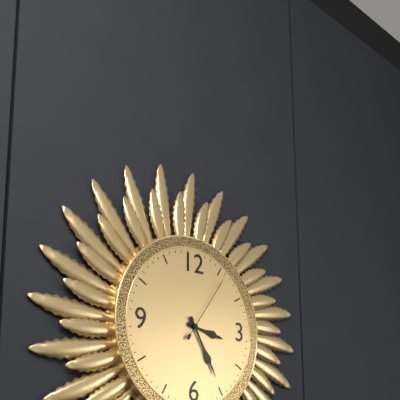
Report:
3:25:06
